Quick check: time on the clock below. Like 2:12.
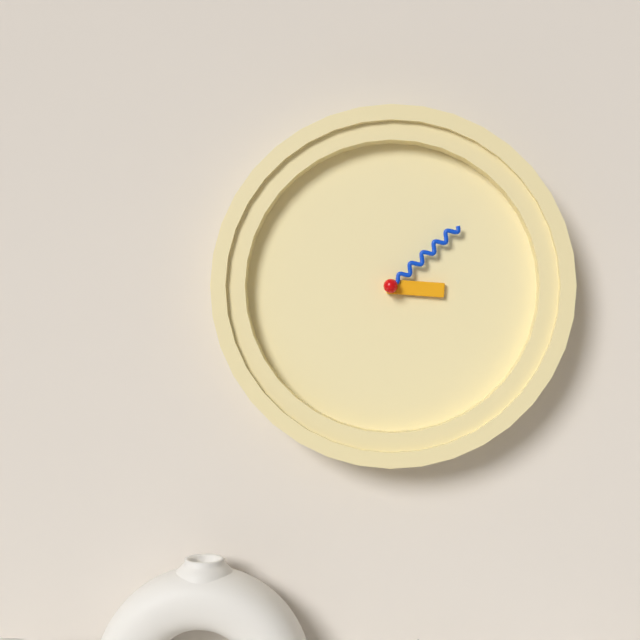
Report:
3:08
